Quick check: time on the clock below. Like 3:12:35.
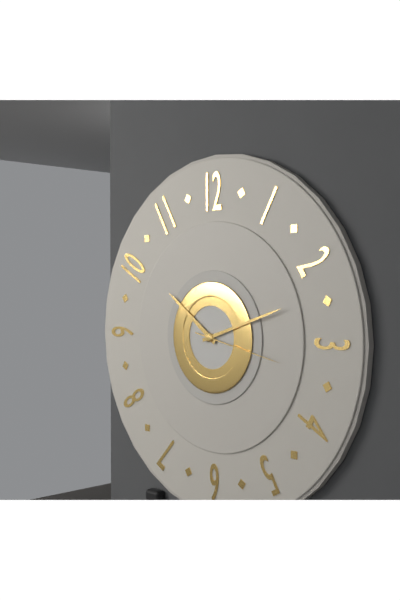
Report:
10:12:17
